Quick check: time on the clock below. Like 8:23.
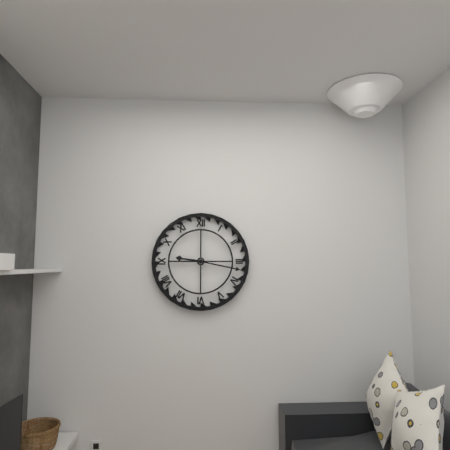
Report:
9:17
